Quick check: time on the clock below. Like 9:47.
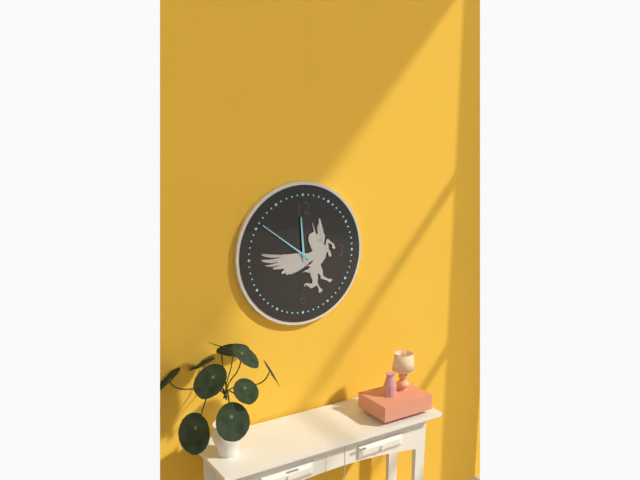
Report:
11:51
